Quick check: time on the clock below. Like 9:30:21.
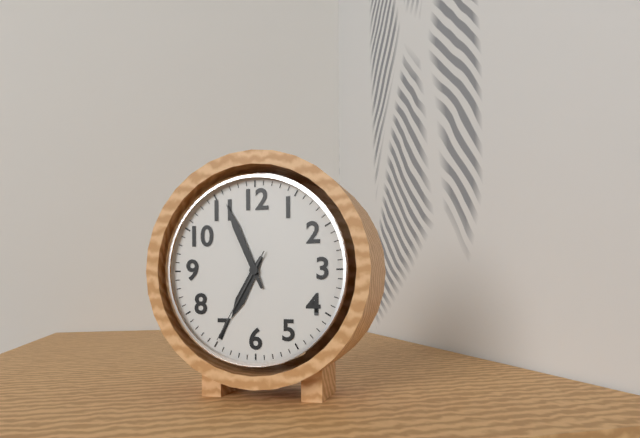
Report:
6:56:35
